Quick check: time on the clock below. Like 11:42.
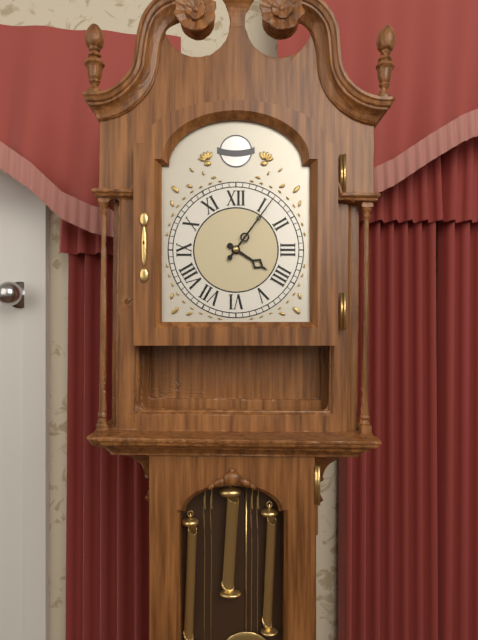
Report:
4:06
